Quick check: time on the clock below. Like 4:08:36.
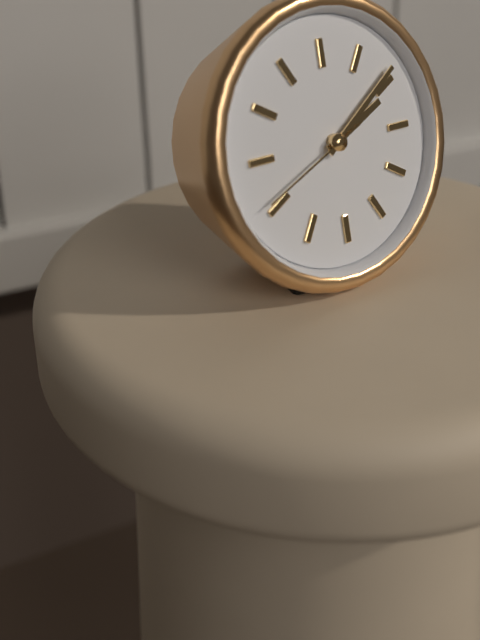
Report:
2:09:41
